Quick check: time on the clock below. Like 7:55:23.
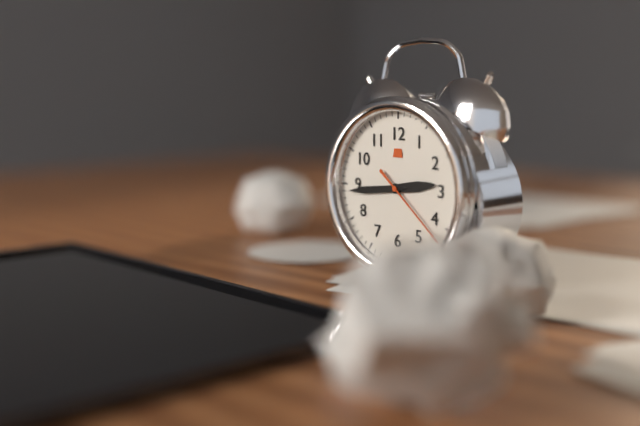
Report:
2:44:22
